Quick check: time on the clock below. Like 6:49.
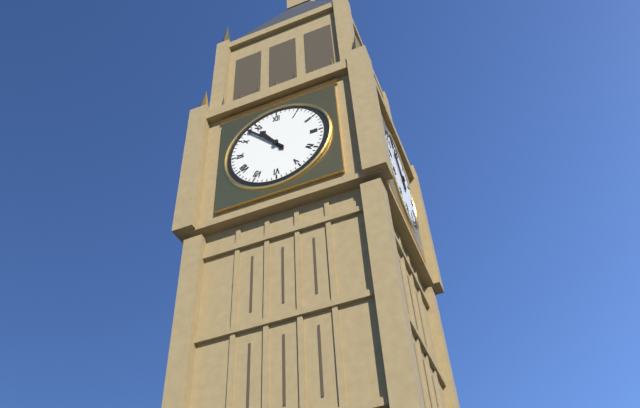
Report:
10:53
